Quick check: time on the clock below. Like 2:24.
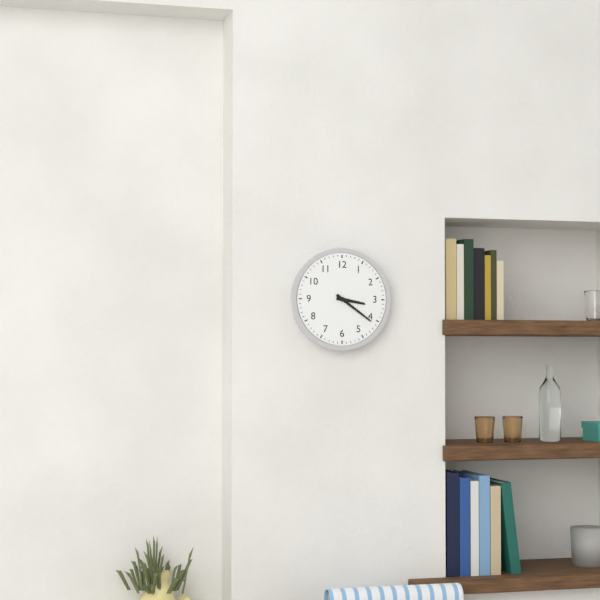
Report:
3:21
